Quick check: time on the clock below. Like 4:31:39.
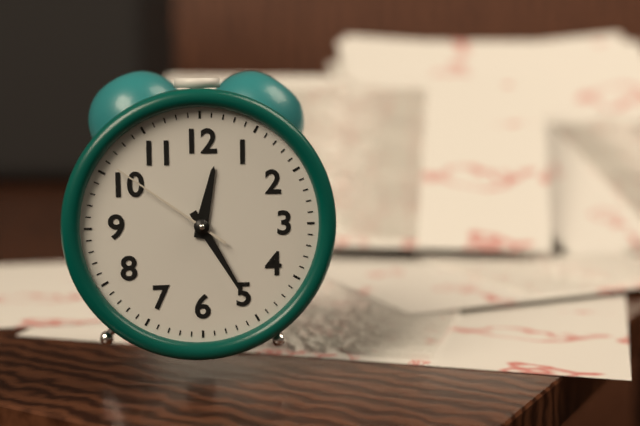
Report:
12:25:51
